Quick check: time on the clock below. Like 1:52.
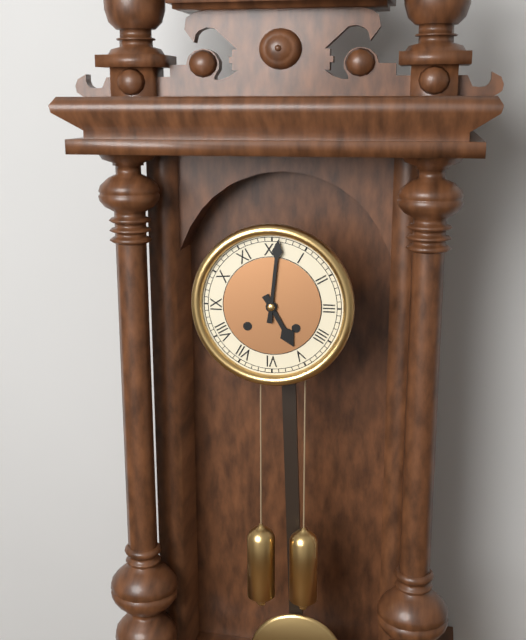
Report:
5:01
